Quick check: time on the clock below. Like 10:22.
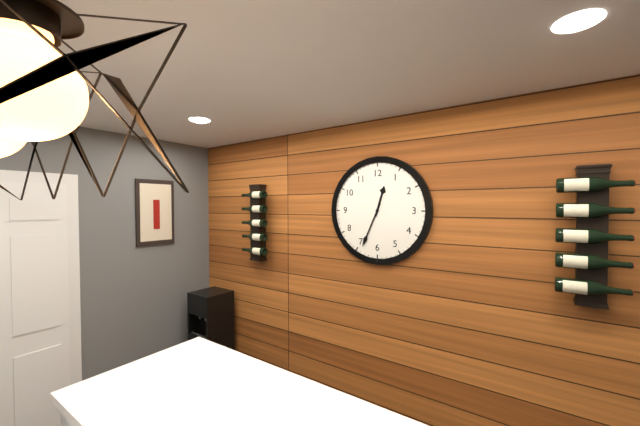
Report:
12:34
